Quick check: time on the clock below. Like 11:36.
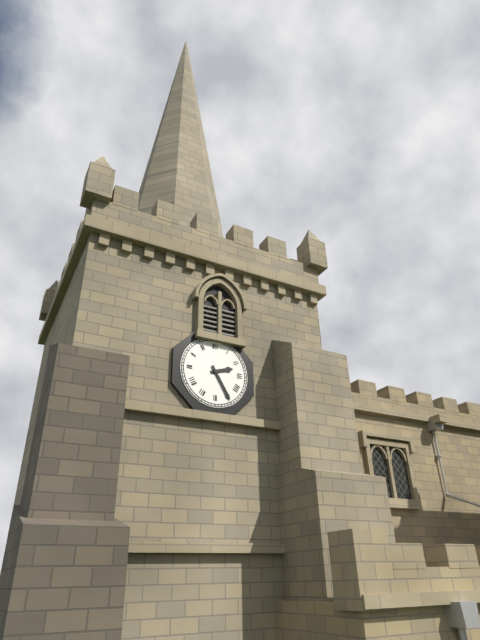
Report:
2:25
